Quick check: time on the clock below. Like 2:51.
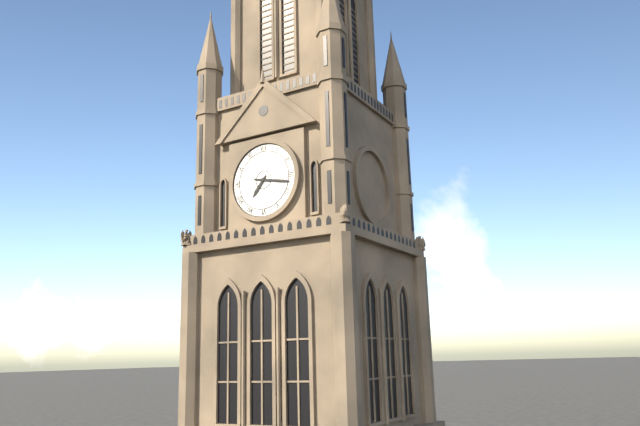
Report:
7:17
